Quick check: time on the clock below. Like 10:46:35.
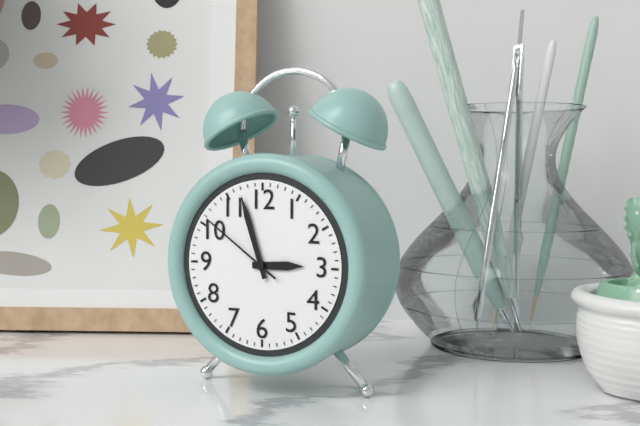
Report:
2:57:51
